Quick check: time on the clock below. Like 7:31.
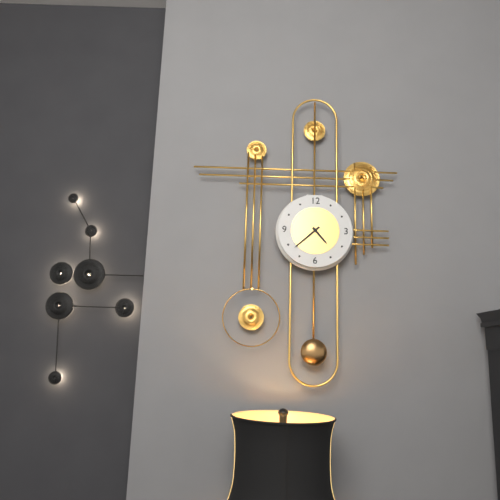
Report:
4:38
